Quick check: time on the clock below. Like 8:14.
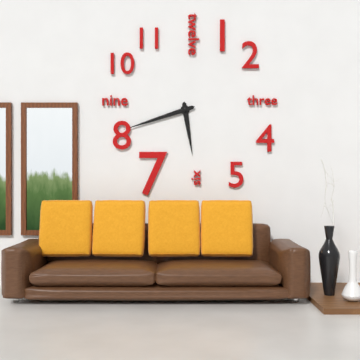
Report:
5:42
